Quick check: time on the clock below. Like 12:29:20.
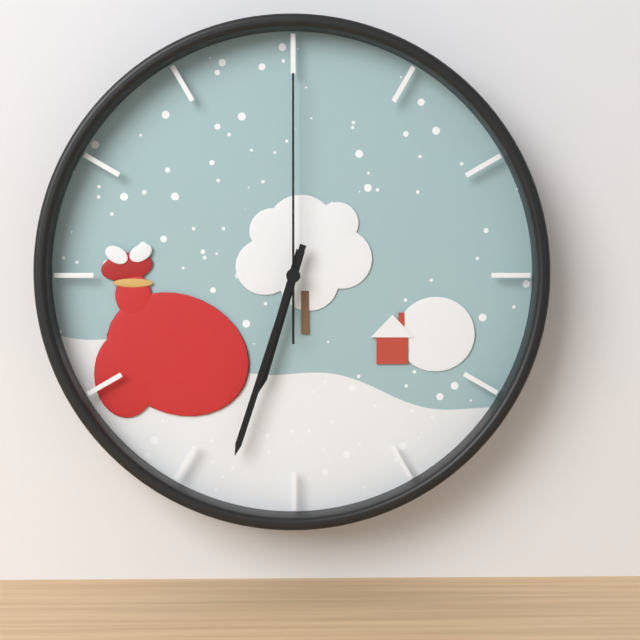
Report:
6:33:00
